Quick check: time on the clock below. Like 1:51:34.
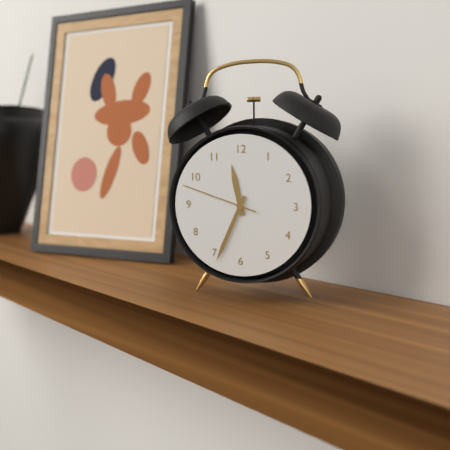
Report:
11:34:48
